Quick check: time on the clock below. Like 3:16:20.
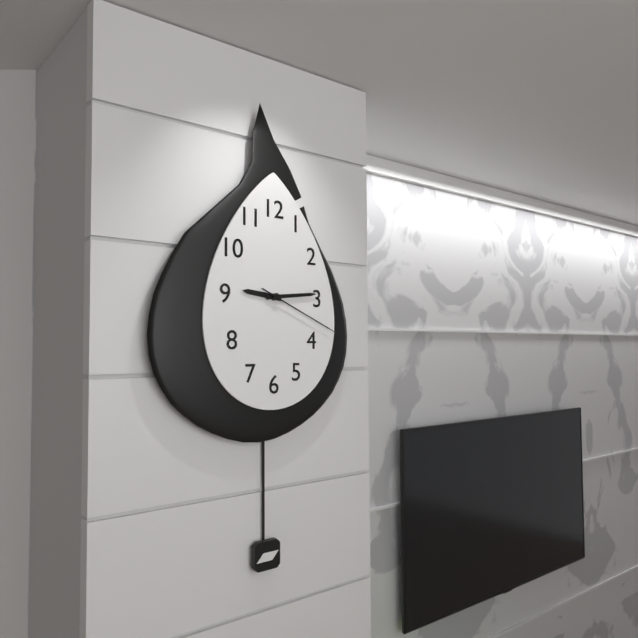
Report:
9:14:19
